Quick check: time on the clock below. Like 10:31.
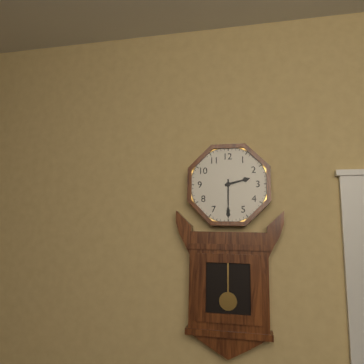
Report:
2:30
